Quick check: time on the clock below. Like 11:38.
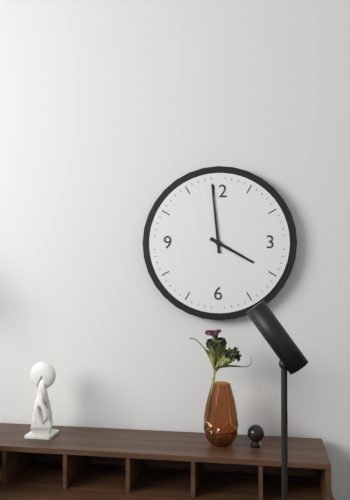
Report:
3:59
